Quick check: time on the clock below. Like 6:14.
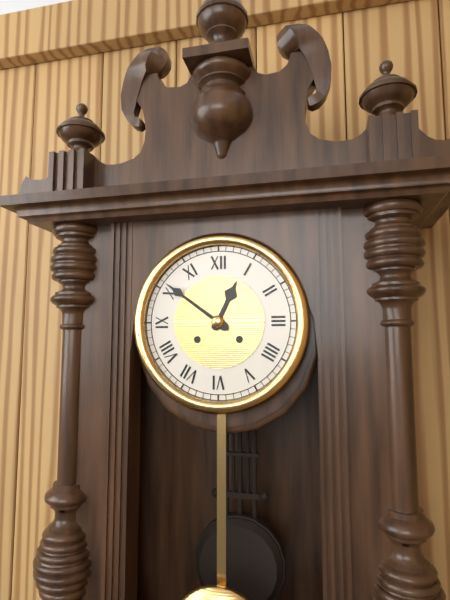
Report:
12:51
